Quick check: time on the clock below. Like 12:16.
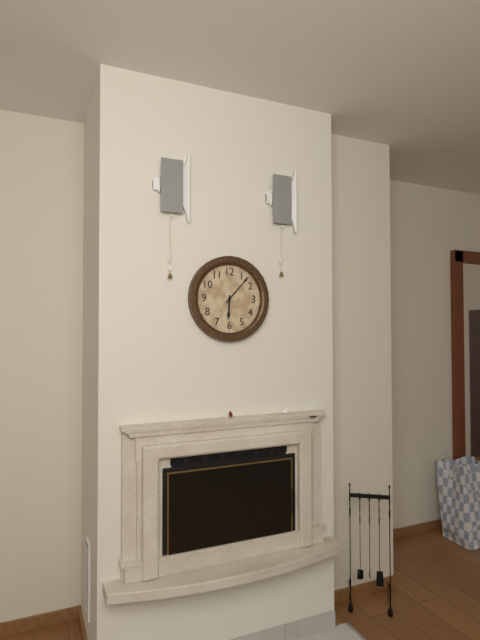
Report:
6:07
